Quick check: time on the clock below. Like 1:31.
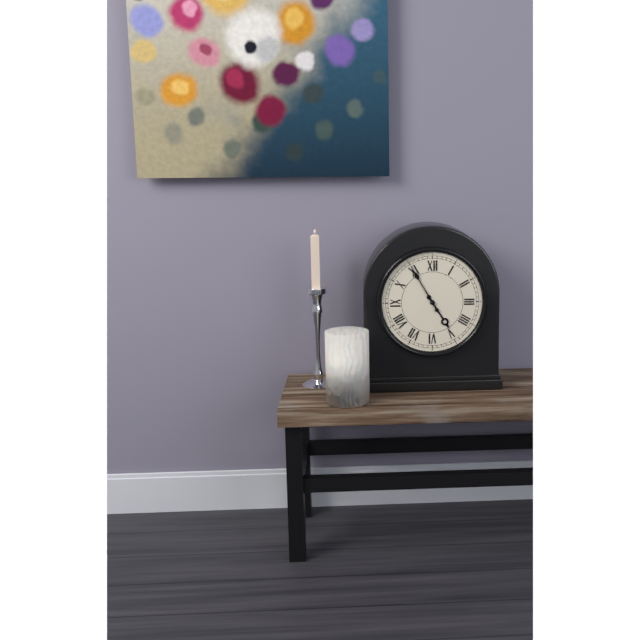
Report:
4:55
